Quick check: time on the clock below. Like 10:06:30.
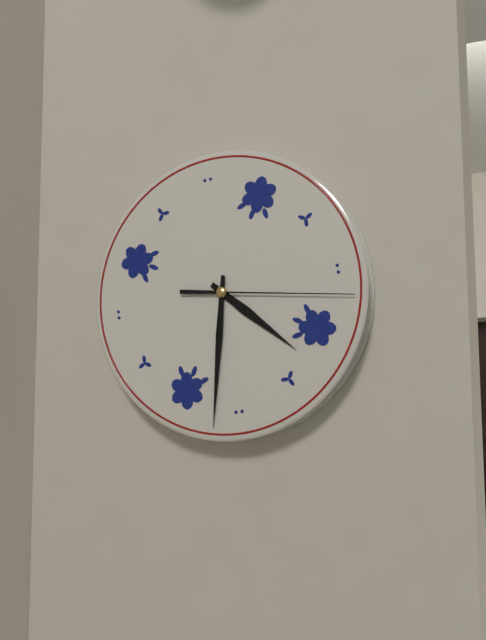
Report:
4:32:17
